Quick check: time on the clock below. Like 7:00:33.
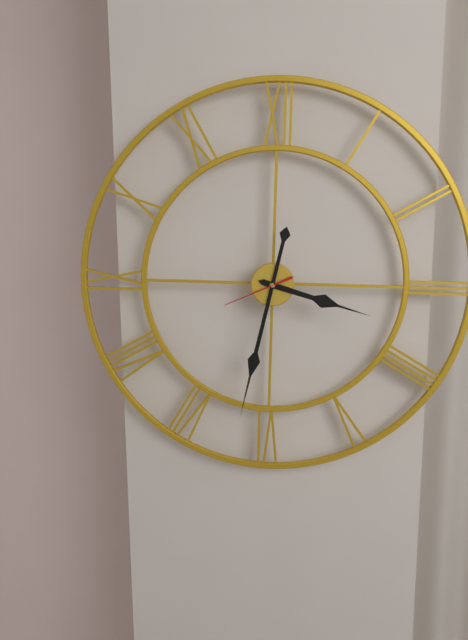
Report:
3:32:41
